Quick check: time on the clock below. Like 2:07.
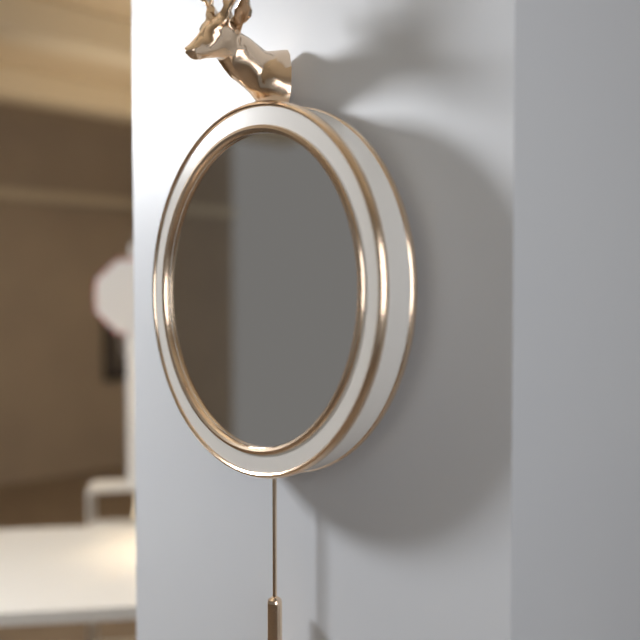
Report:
10:22
